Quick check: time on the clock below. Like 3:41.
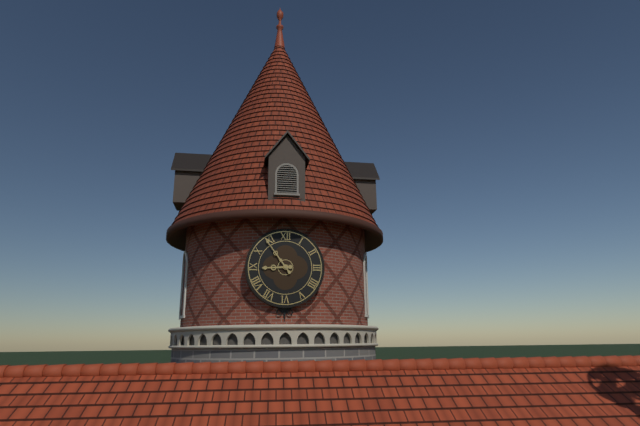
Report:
8:54
